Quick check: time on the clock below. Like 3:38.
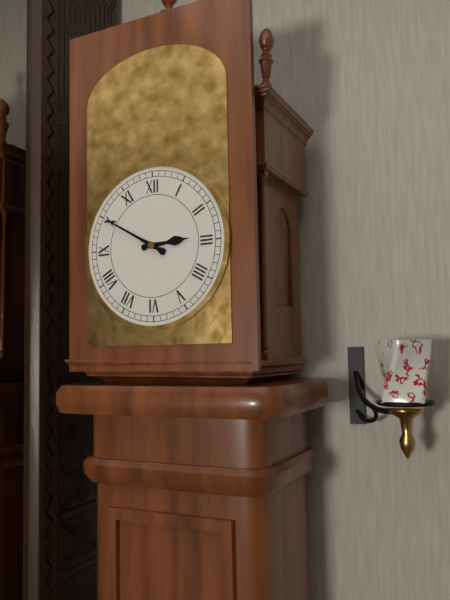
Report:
2:50
